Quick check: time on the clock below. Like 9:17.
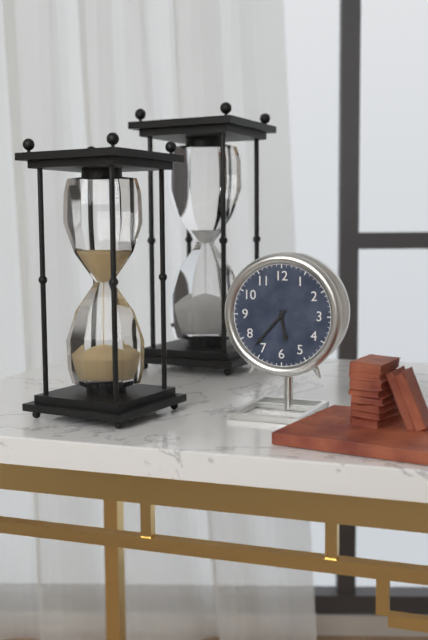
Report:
5:37
